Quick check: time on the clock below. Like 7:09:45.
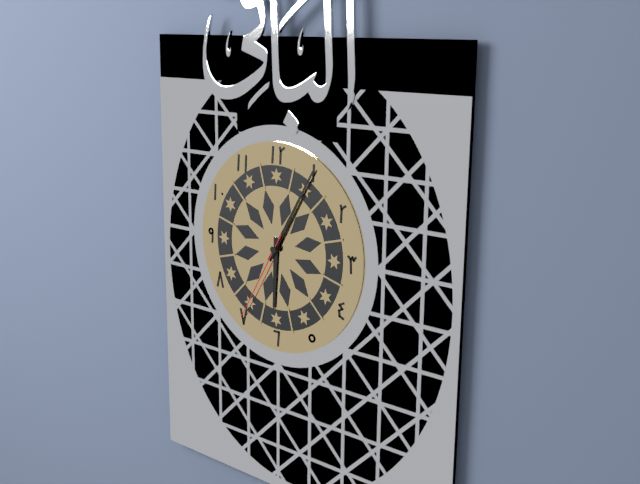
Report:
6:05:35
